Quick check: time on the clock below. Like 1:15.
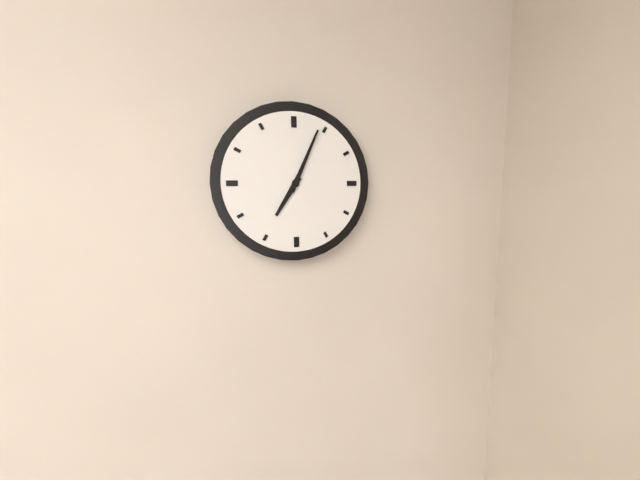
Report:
7:04
